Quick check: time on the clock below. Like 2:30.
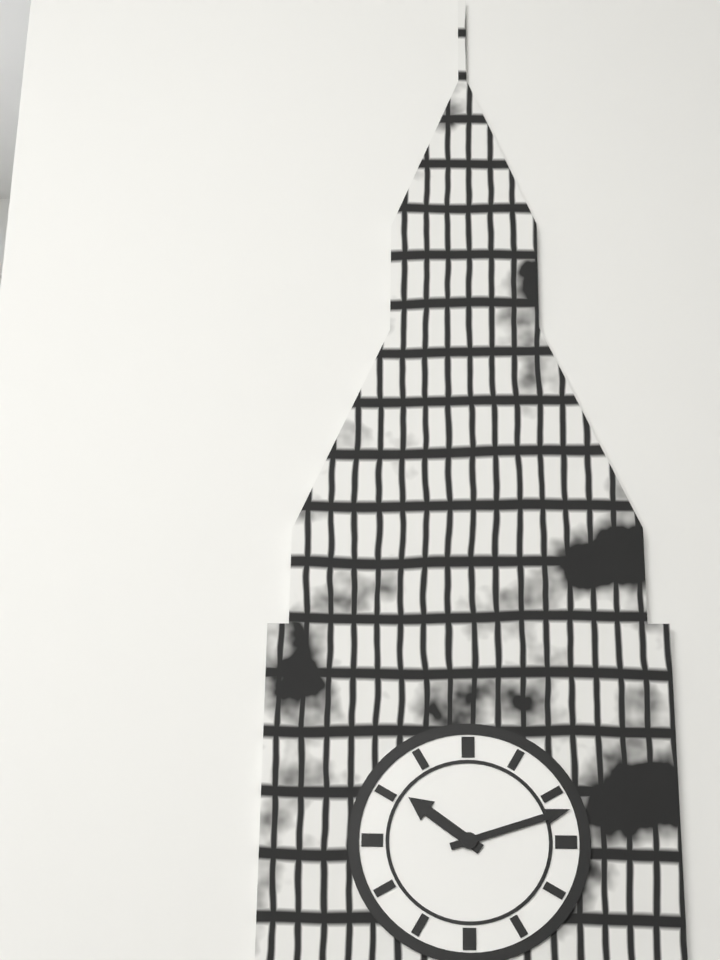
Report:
10:12
